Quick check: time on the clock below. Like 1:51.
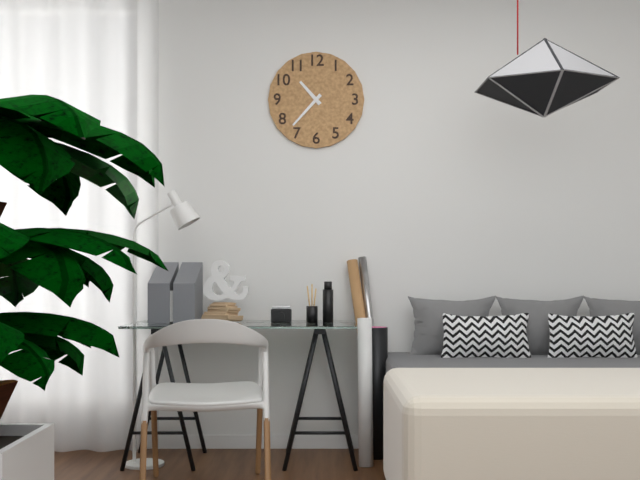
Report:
10:37
